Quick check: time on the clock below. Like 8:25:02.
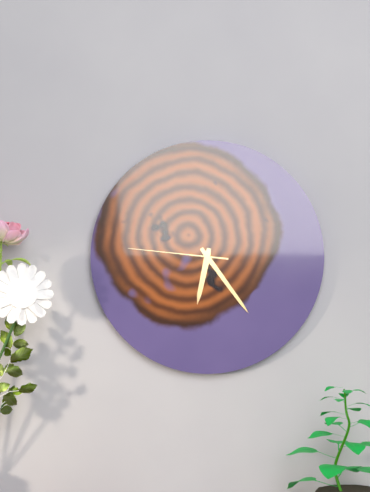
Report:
6:24:46
